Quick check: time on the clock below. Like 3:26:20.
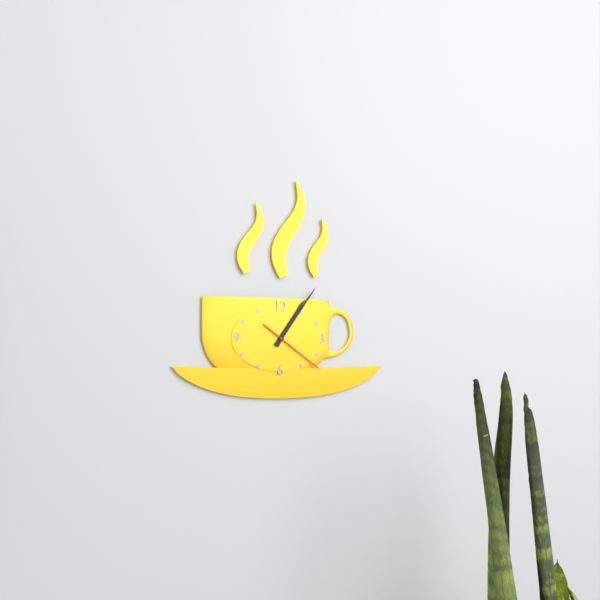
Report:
1:06:21
